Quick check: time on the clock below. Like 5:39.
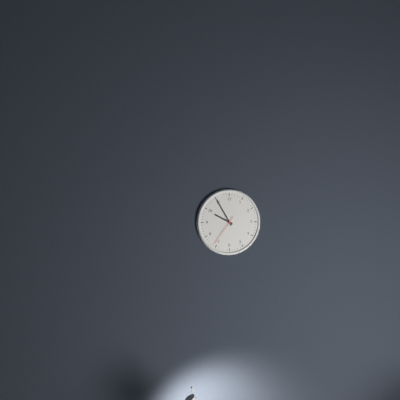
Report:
9:55
